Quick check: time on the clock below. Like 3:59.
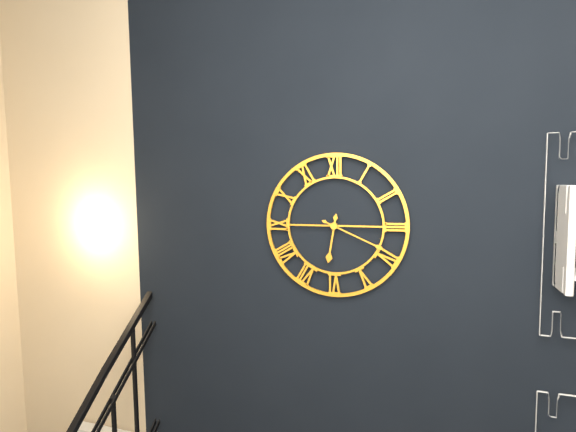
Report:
6:19
